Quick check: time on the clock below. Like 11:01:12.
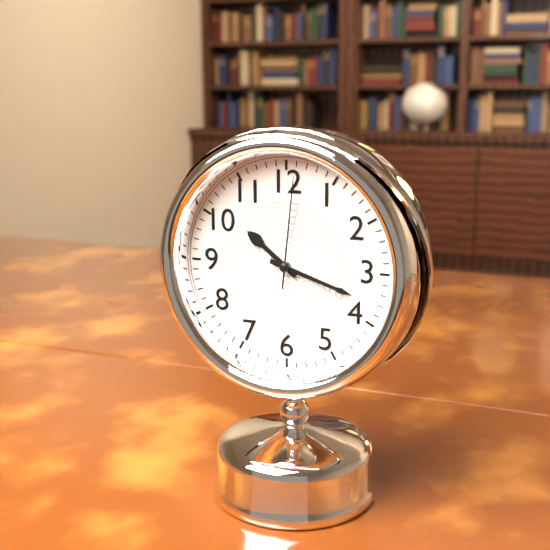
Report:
10:18:01
